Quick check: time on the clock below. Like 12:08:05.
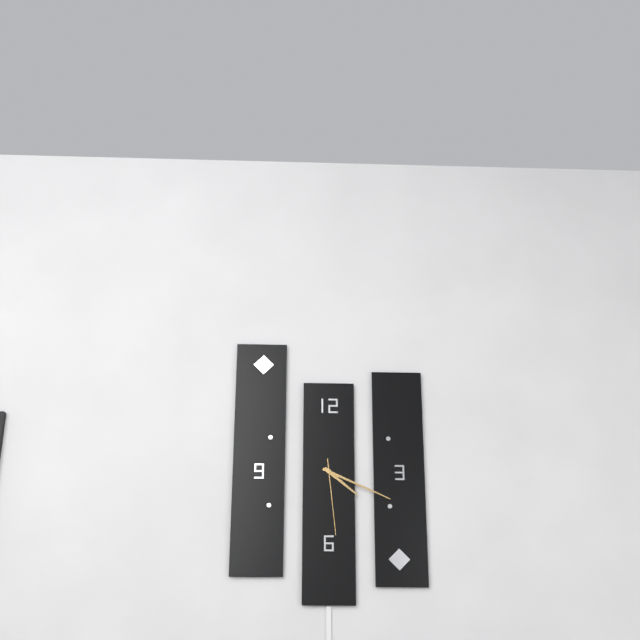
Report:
4:19:29
